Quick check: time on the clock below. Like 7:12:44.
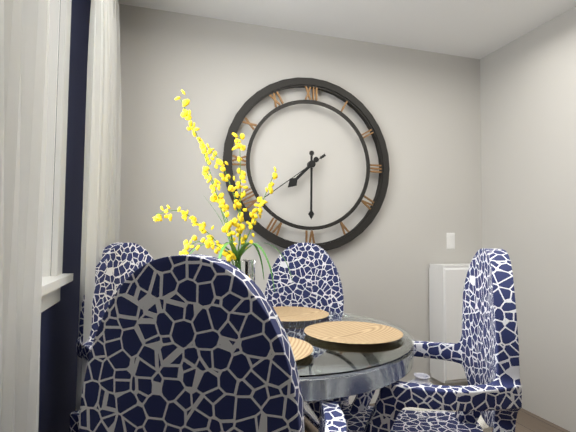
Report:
7:30:39
